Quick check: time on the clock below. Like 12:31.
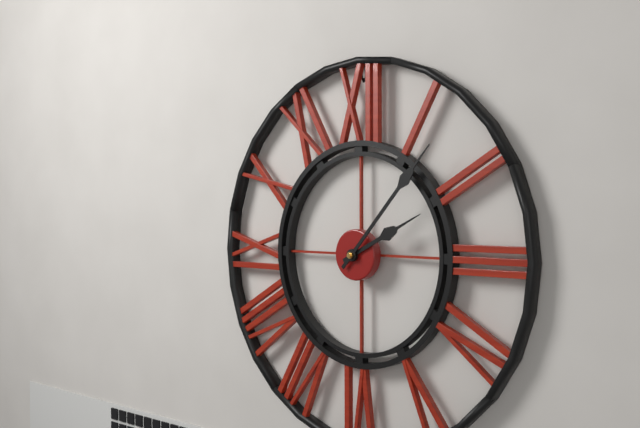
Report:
2:07
